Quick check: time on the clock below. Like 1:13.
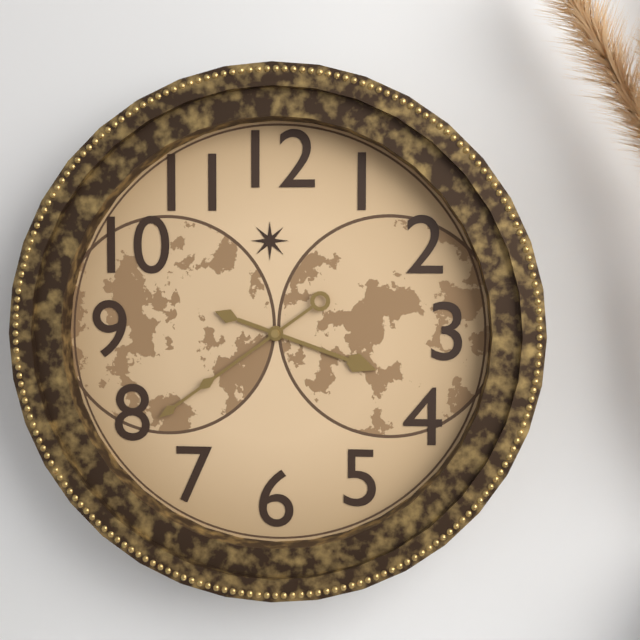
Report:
3:39
